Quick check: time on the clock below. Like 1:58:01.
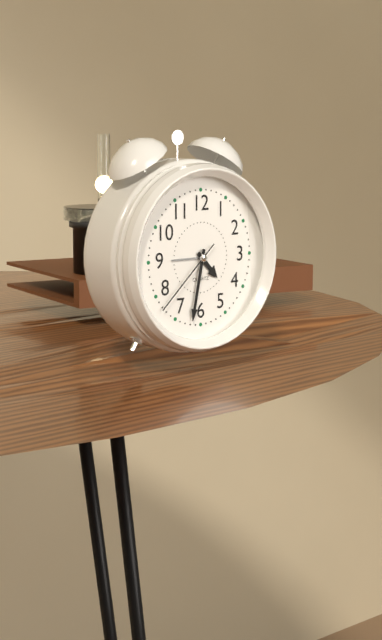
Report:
4:32:38
